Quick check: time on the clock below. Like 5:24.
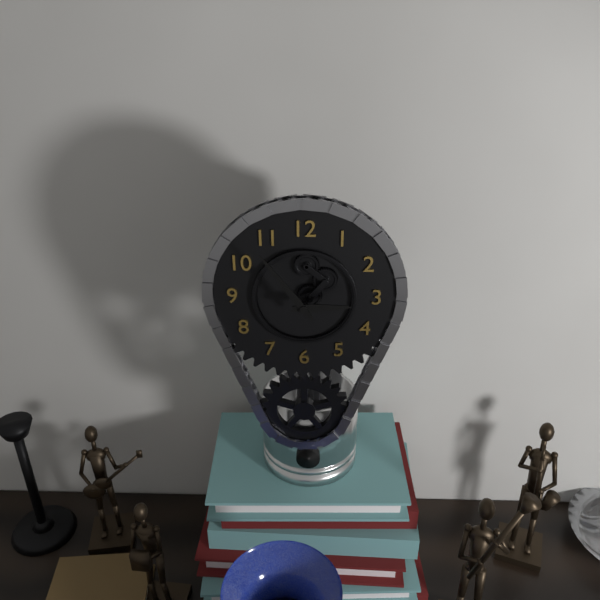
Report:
2:54
